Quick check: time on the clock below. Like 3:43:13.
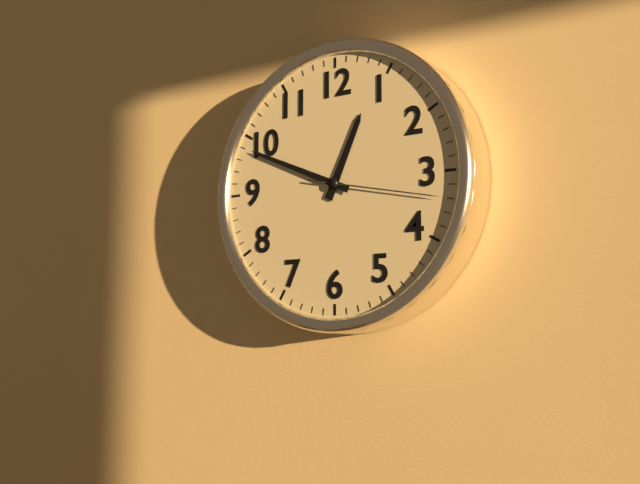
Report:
12:49:17
